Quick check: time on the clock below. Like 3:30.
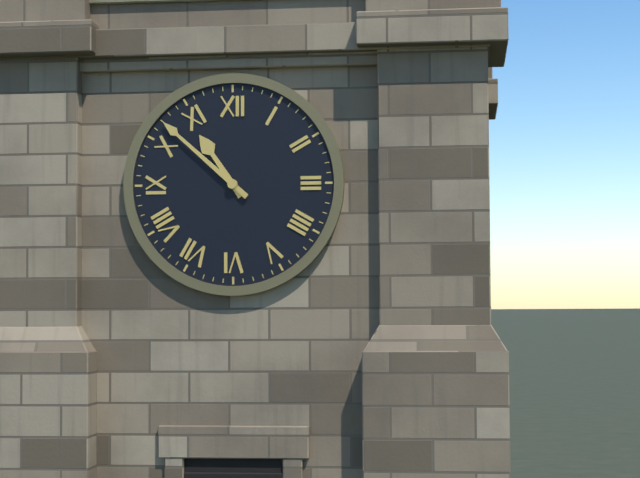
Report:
10:52
